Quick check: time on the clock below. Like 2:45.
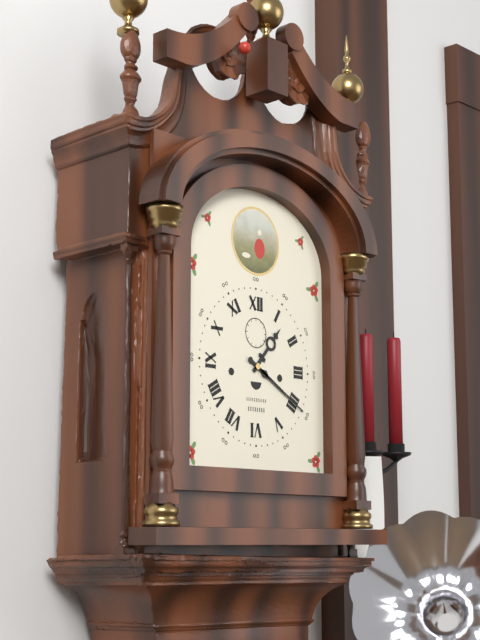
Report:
1:20
